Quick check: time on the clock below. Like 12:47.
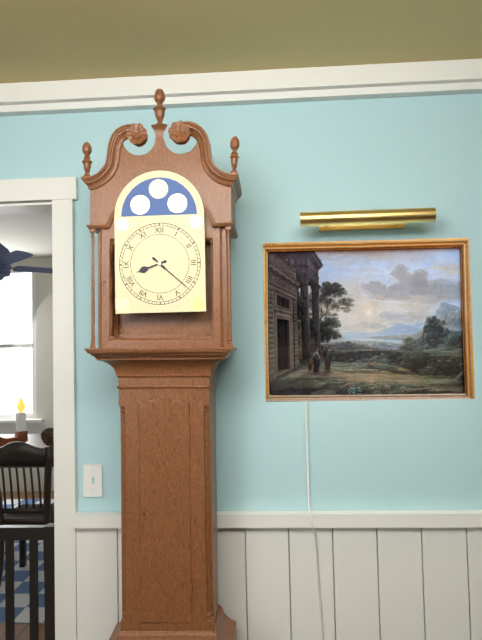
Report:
8:22
